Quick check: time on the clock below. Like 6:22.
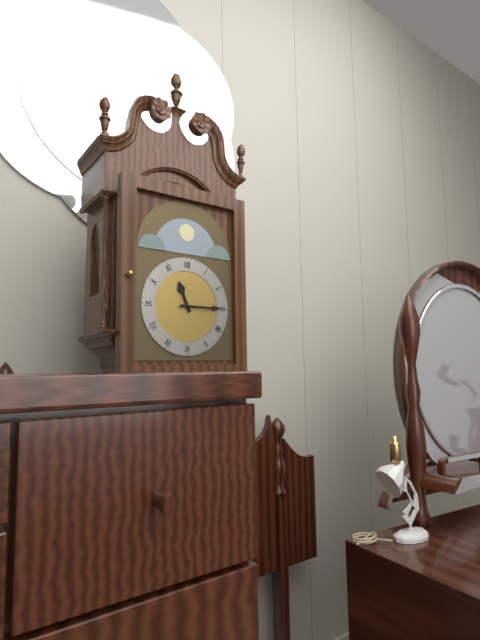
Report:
11:15
